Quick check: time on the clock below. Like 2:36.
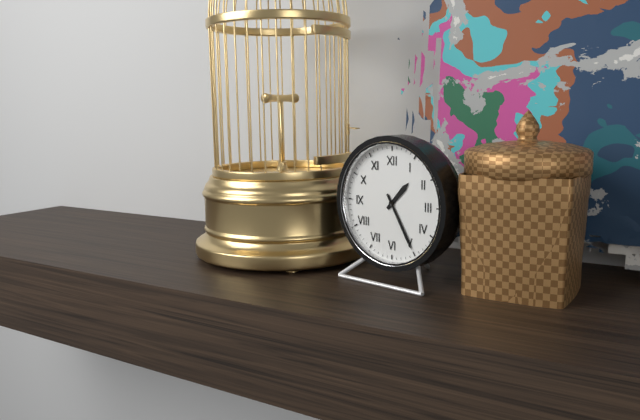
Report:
1:25
